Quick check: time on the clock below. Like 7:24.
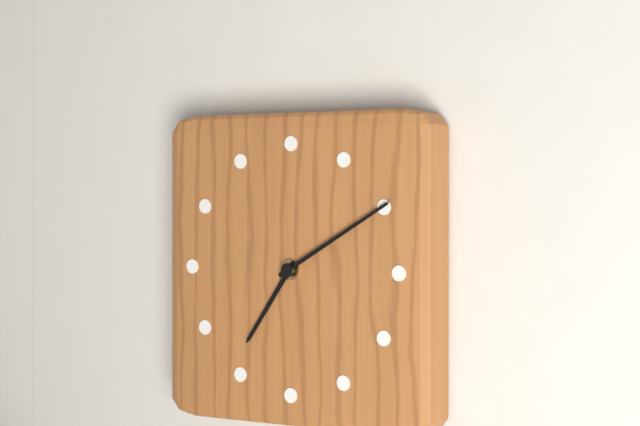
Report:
7:10
